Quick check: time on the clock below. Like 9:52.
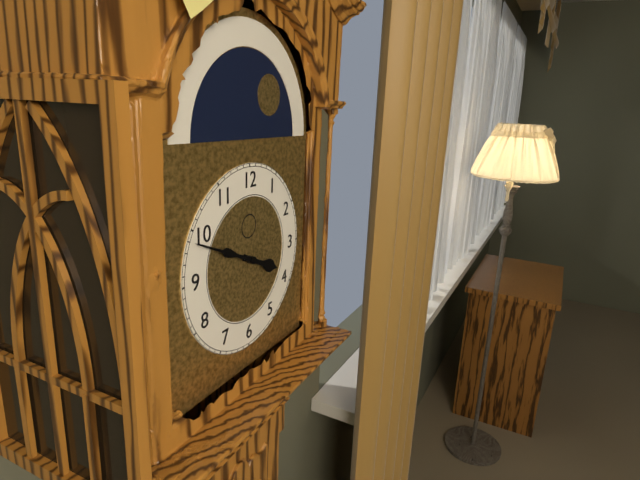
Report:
3:49
